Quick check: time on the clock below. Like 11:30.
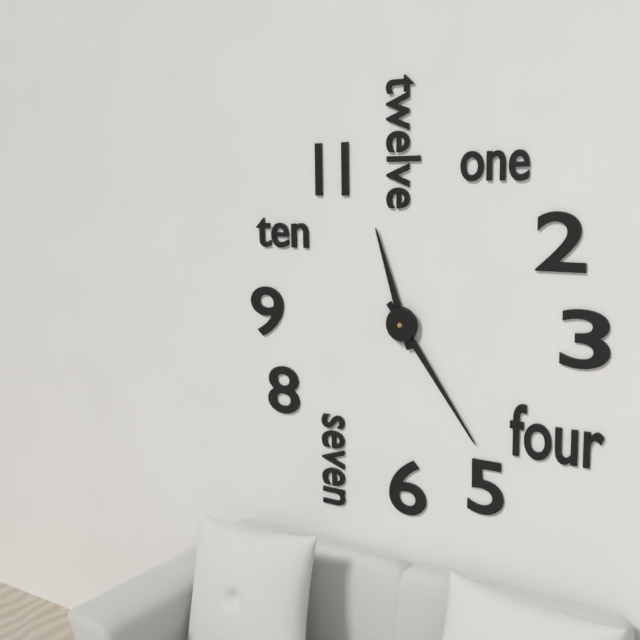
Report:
11:24
